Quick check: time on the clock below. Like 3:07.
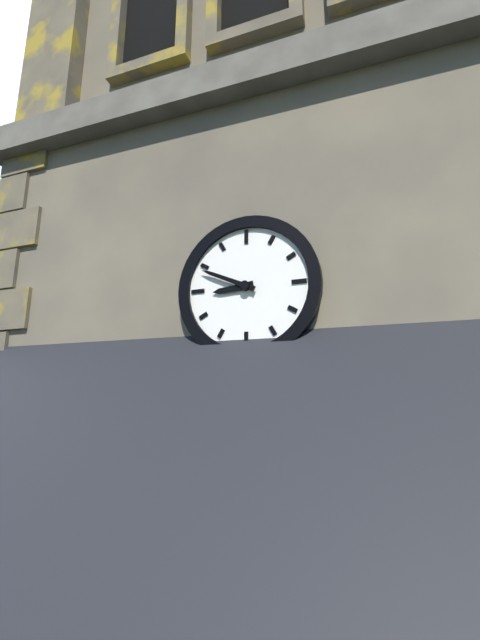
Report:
8:49
